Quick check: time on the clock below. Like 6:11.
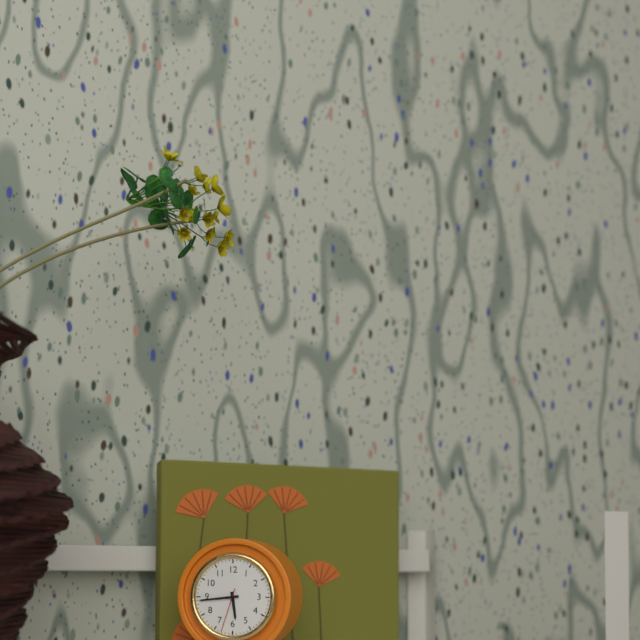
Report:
5:44
